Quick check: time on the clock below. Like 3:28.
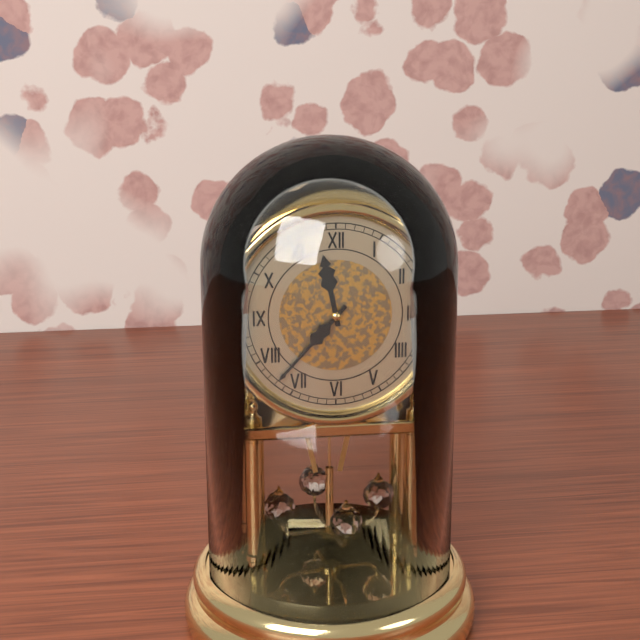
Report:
11:37
